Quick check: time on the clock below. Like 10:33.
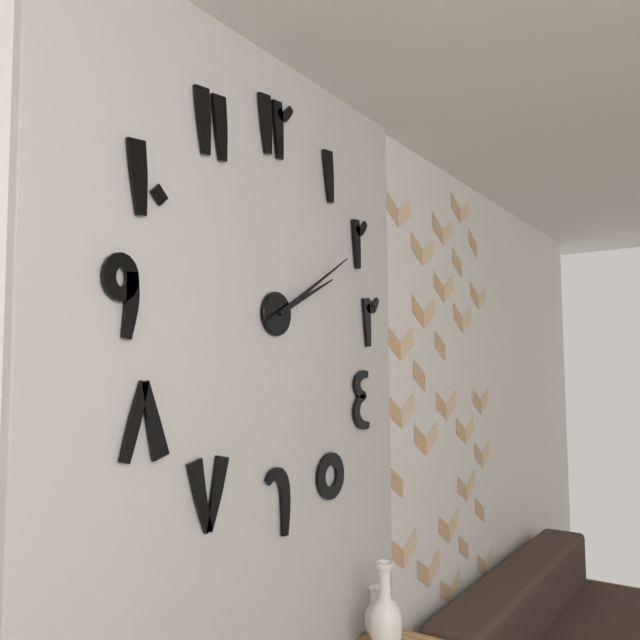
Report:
2:10
